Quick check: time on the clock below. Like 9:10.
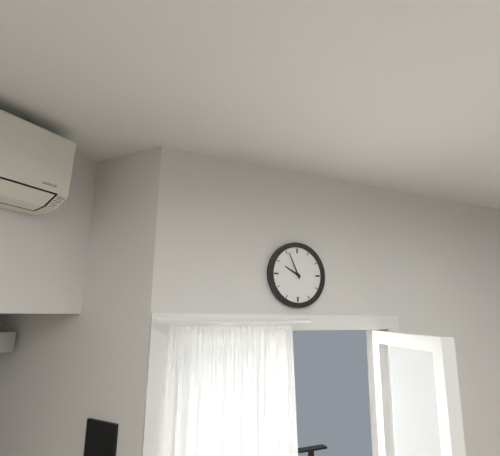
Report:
9:56
